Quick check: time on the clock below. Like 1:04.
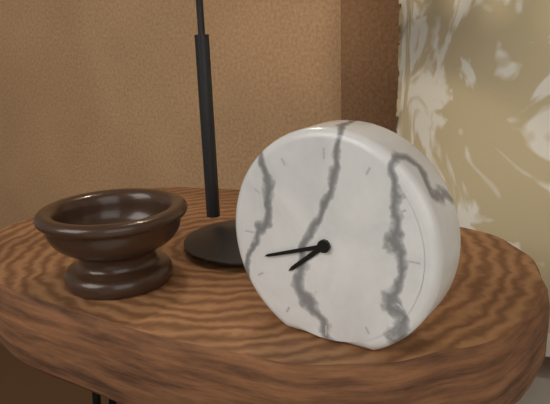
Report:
7:42
